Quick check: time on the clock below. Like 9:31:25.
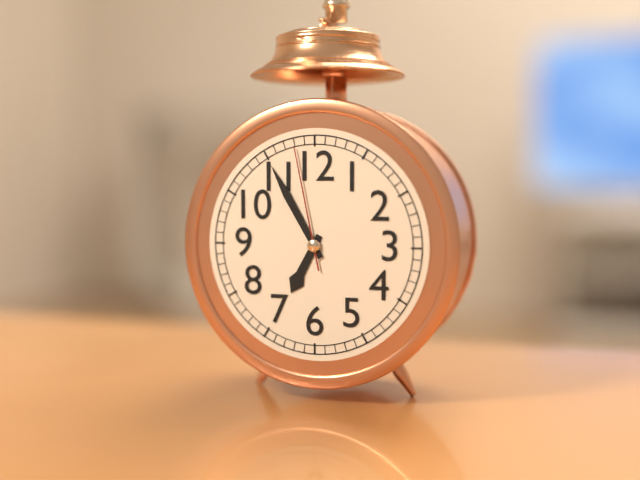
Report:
6:55:58
